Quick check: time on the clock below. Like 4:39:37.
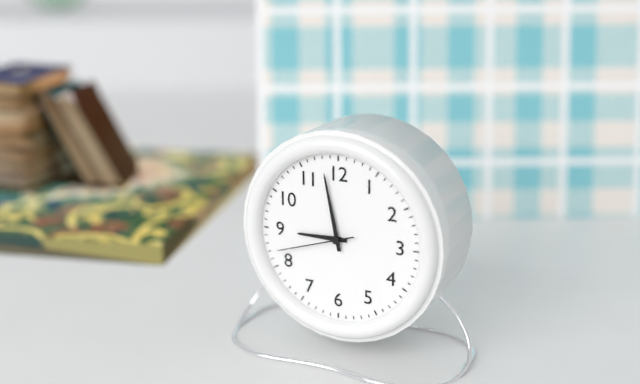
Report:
8:58:42
